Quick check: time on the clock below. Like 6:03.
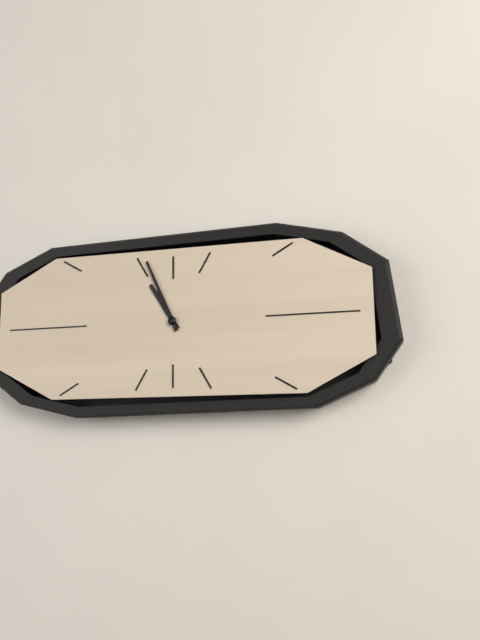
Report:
10:56
